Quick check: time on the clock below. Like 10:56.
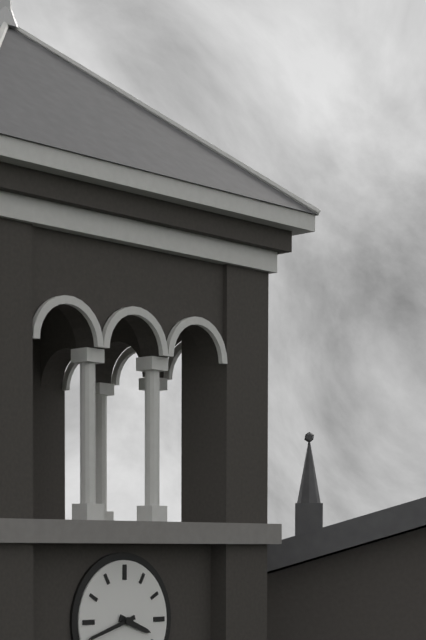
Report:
3:42
